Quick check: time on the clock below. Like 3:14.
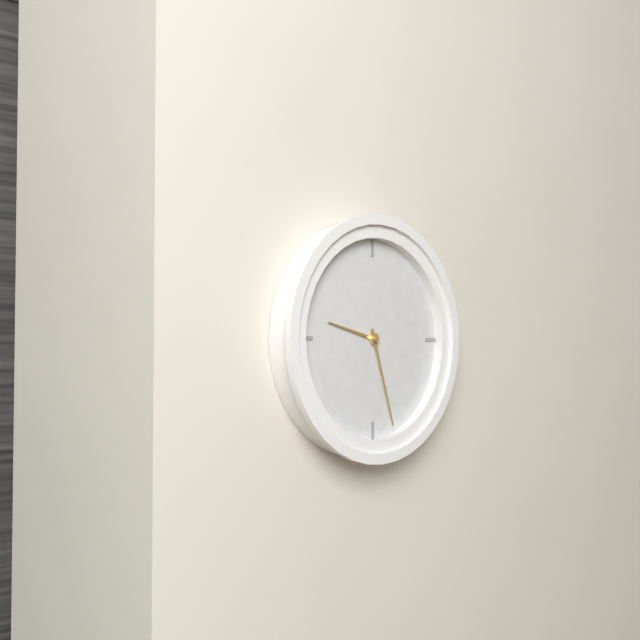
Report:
9:27
